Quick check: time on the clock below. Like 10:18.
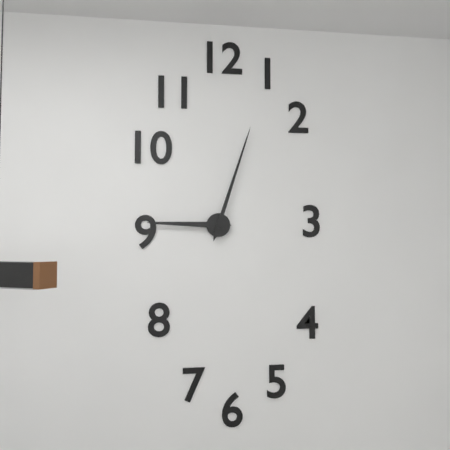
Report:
9:03
